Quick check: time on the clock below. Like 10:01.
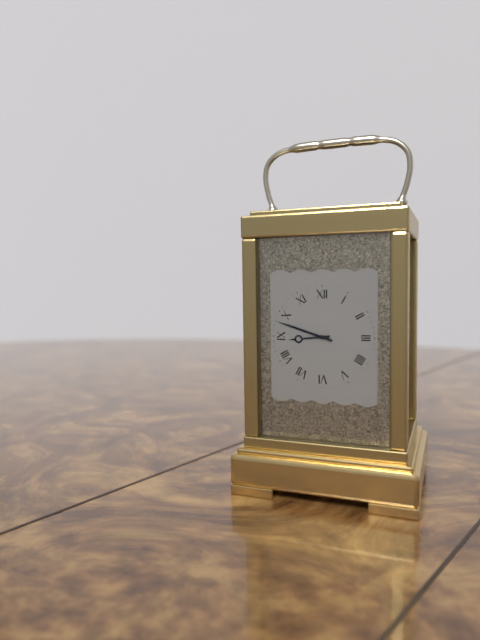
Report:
8:48
